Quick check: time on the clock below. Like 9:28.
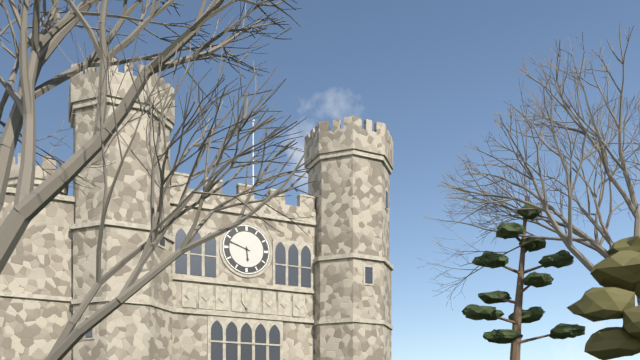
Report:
5:48
